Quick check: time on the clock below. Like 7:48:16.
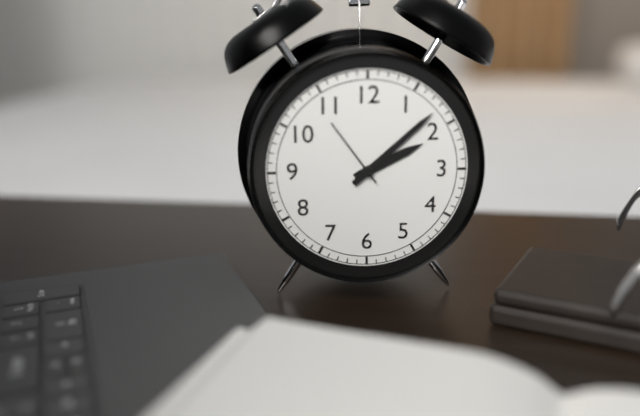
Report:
2:08:54
